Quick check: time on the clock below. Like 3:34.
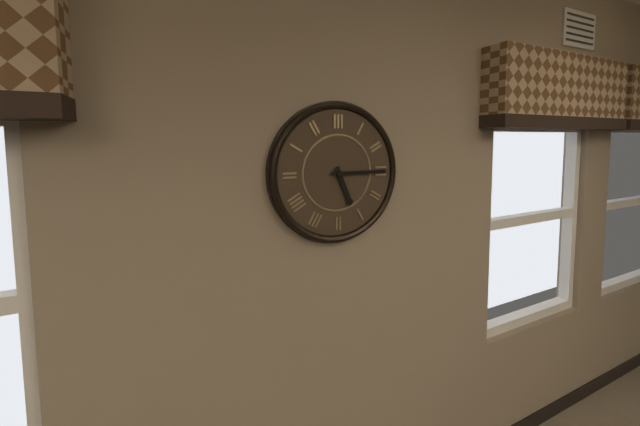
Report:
5:15
